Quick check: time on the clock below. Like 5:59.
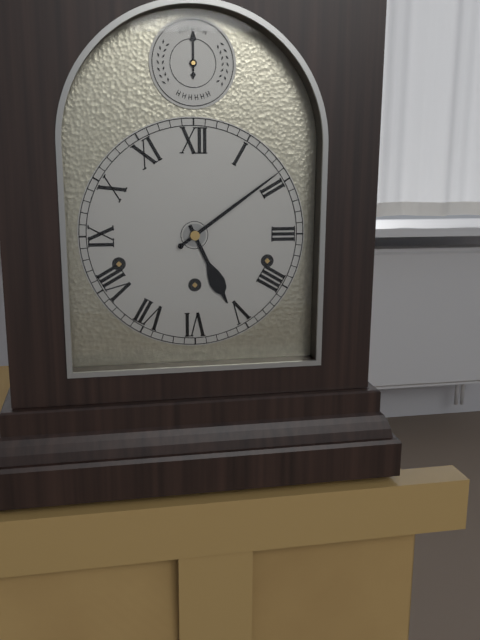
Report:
5:09
